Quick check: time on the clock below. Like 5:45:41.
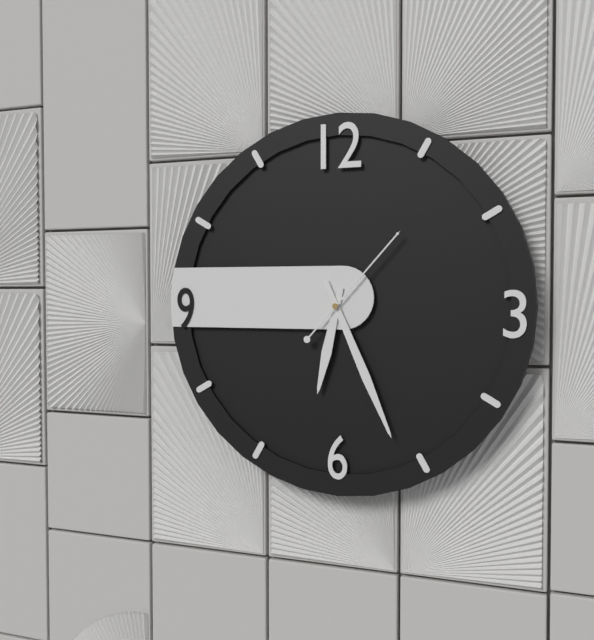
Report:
6:26:07
